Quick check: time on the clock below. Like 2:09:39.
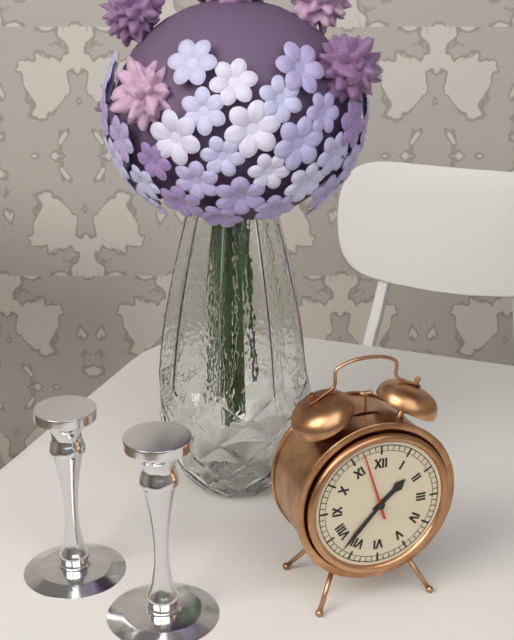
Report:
1:37:57
